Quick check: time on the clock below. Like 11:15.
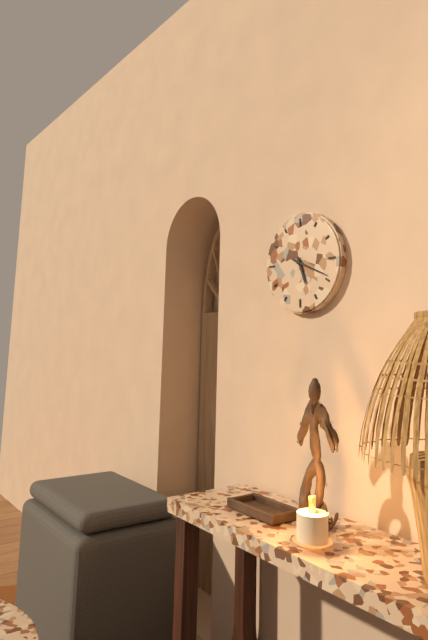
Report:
5:19
